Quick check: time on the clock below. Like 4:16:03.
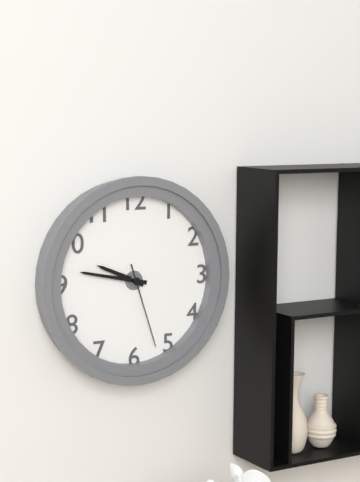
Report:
9:47:27
